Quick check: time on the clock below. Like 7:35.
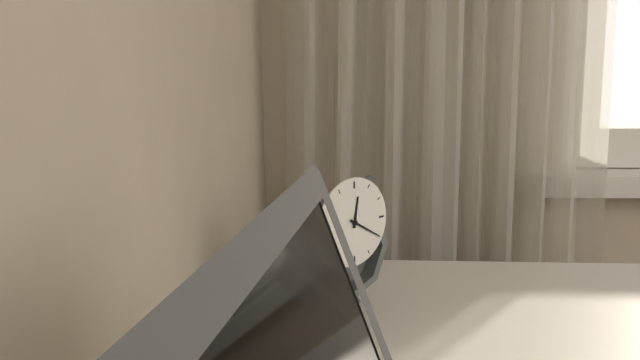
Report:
12:20
